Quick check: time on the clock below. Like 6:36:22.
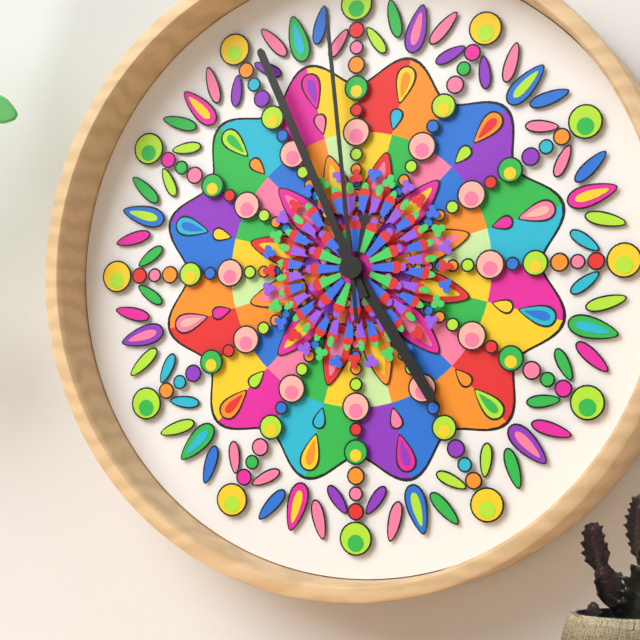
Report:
4:56:59
